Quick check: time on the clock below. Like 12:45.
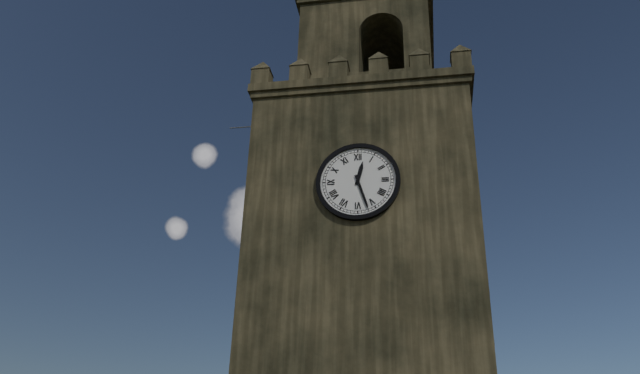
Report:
12:27
